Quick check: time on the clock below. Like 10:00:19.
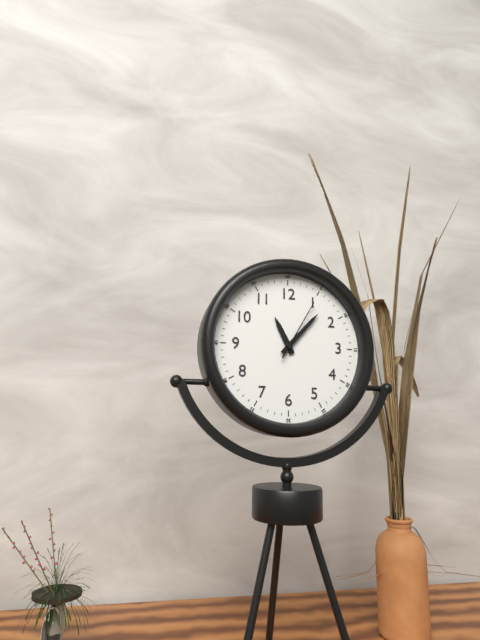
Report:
11:07:05
